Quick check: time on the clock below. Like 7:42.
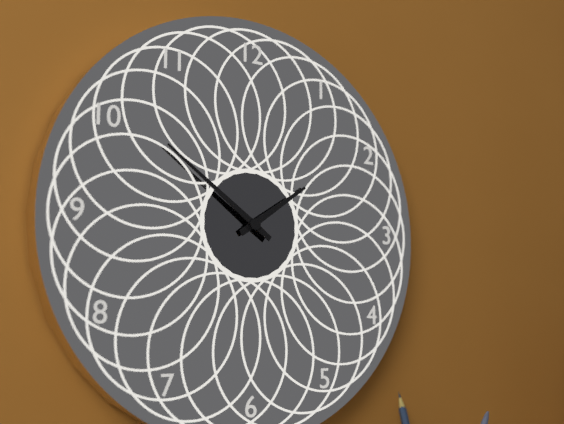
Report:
1:51
